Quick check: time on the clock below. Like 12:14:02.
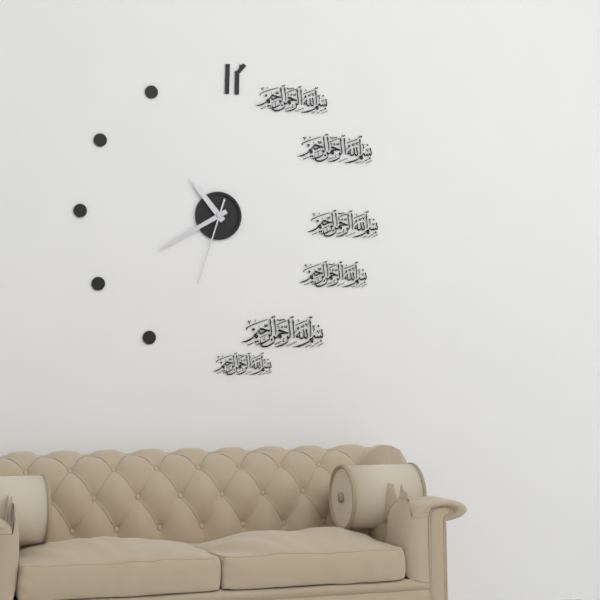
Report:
10:40:33
